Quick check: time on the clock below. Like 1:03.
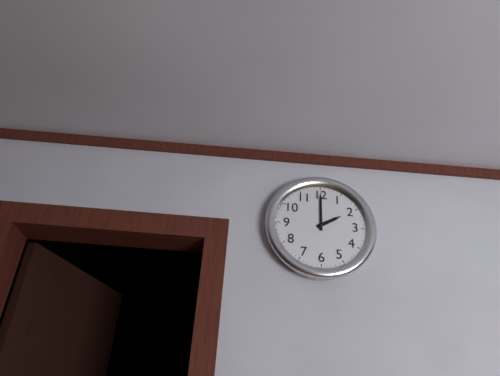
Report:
2:00
